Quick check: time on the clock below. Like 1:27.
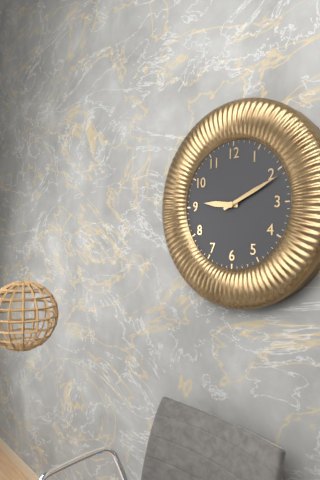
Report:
9:11
